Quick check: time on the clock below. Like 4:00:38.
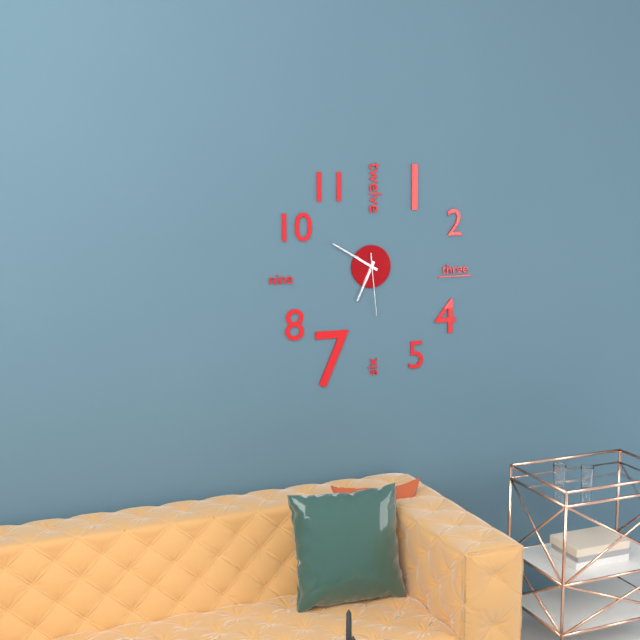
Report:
6:50:29
